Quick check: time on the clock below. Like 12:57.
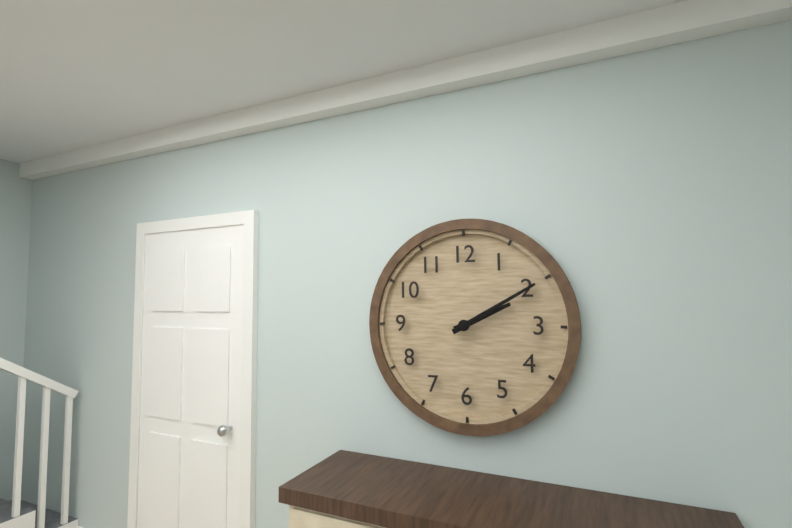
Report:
2:10
